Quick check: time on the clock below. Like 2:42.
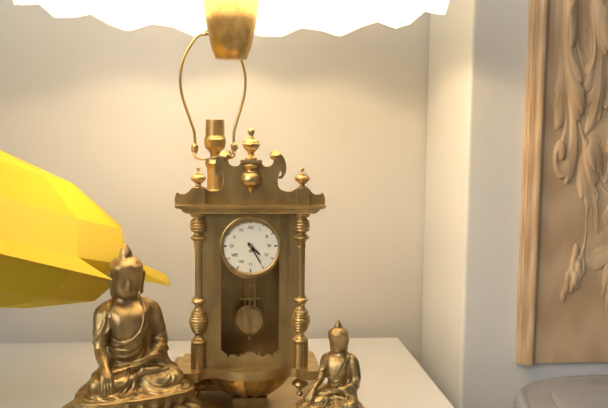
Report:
4:25
